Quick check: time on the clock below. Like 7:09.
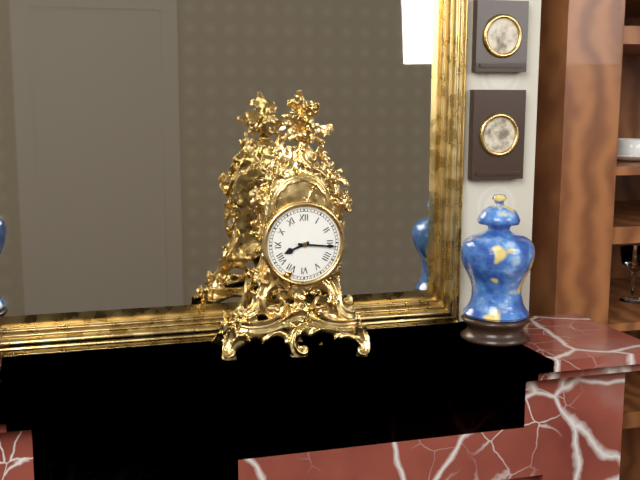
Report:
8:16
